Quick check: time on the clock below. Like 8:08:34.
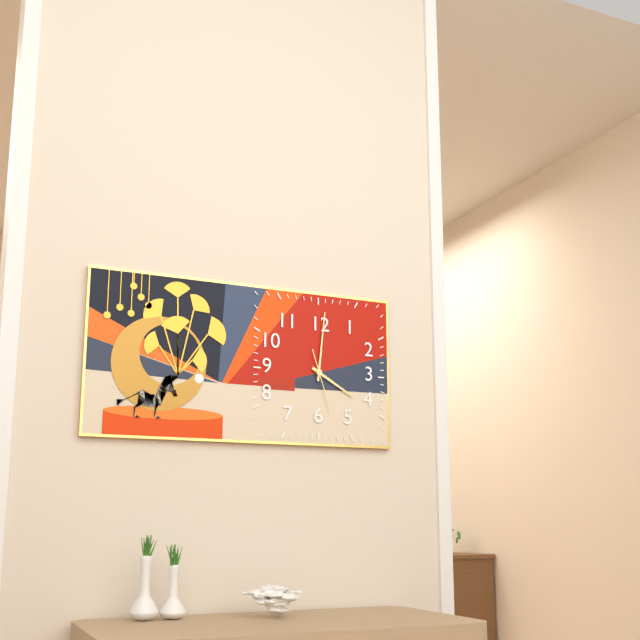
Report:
4:01:27
